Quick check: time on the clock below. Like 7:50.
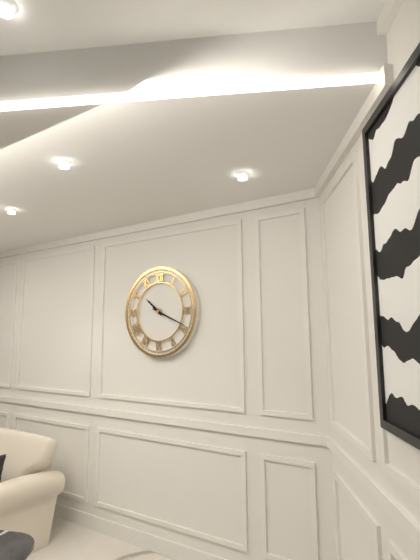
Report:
10:19
